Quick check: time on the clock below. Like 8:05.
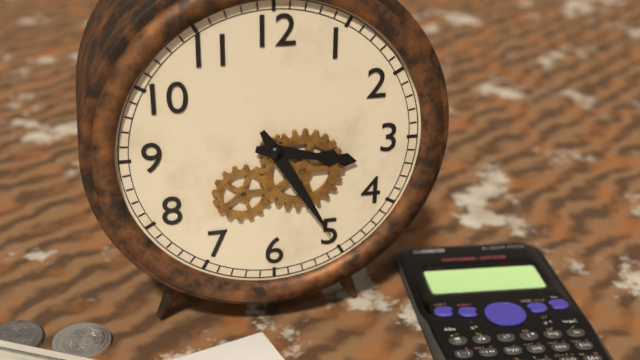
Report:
3:25
